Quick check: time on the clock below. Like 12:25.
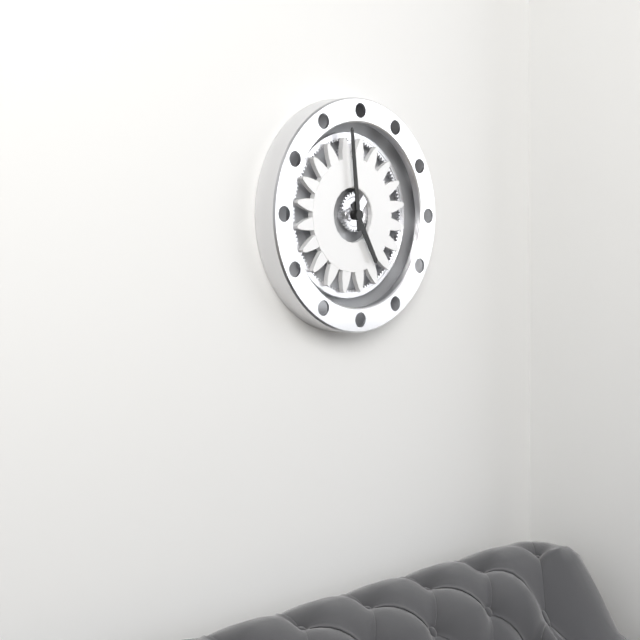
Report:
4:59
